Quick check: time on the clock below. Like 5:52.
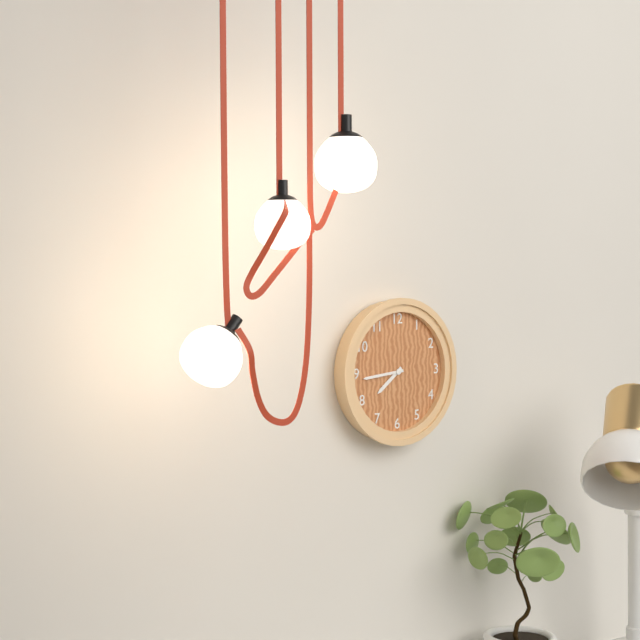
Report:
7:44
